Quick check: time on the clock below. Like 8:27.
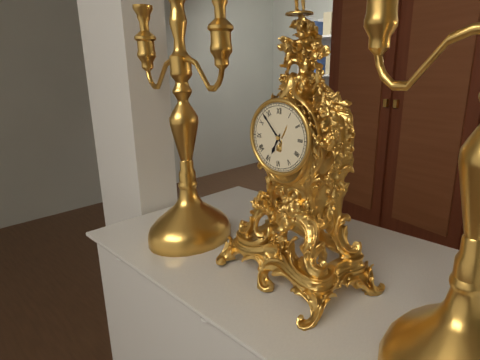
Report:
6:53
